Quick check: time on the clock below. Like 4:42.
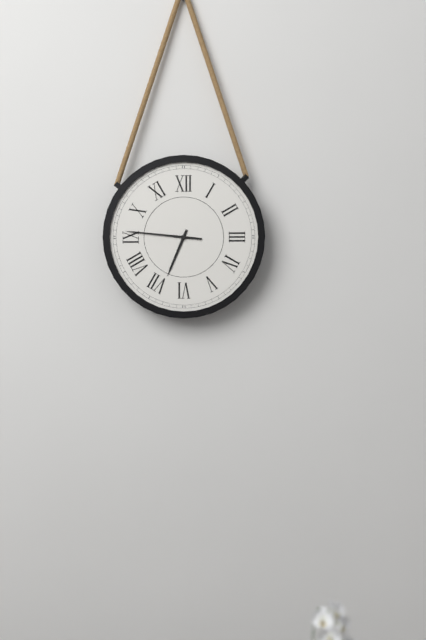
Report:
6:46
